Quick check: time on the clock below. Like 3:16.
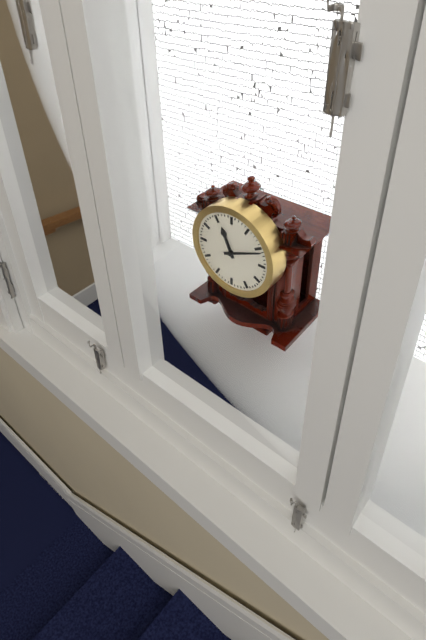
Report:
11:11
